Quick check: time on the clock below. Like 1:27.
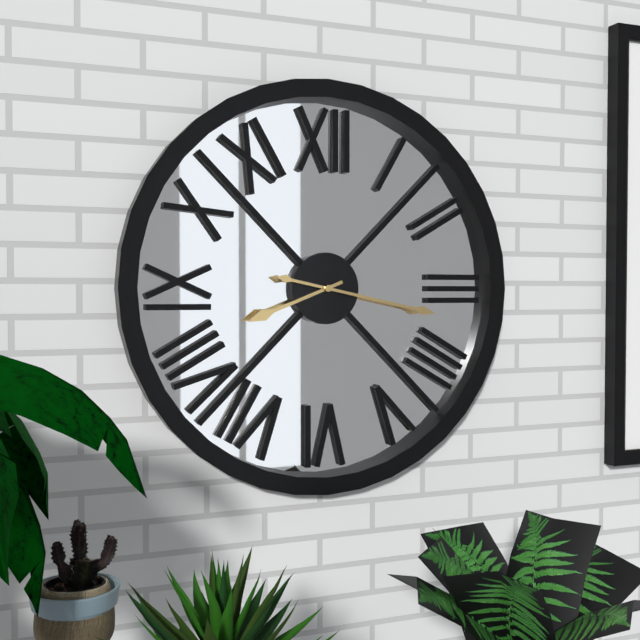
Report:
8:17
